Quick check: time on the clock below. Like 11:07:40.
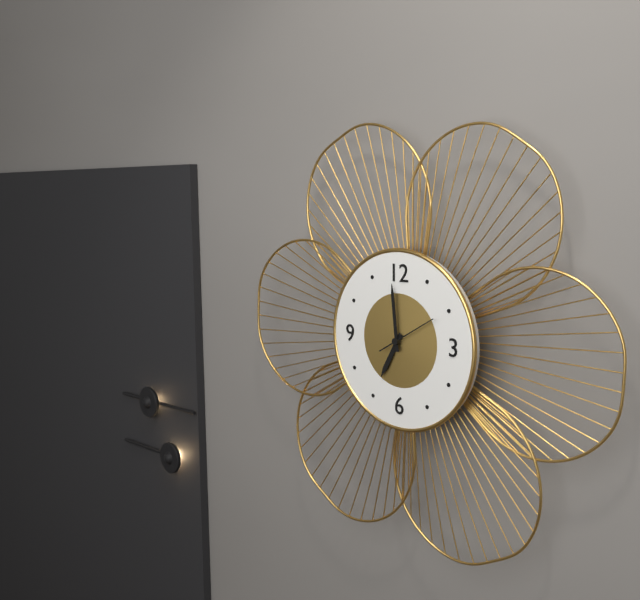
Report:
6:59:10
